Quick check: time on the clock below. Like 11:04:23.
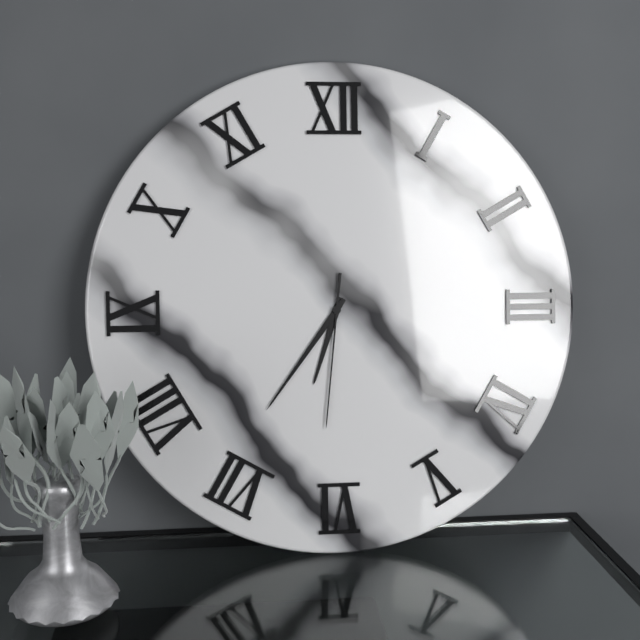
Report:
6:36:31
